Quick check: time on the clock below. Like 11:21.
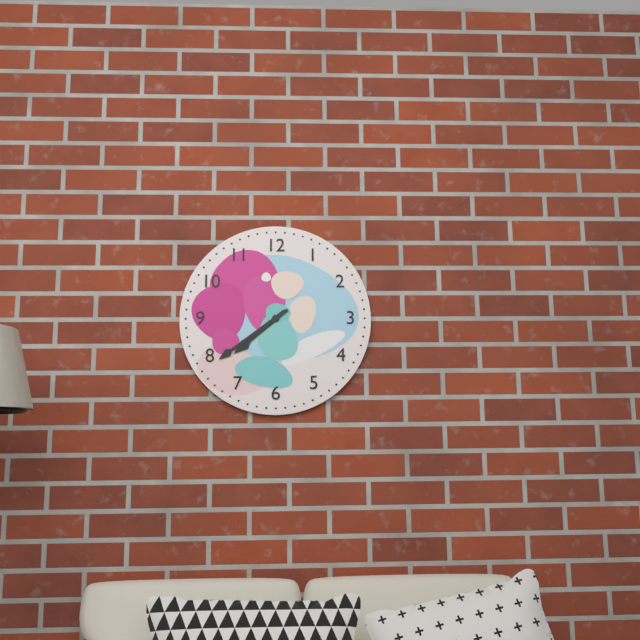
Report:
7:39
